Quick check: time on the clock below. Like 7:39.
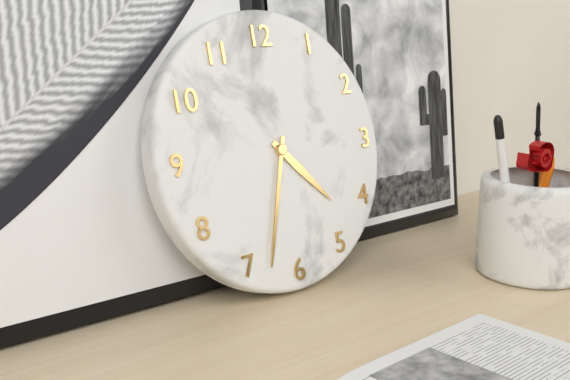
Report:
4:33
